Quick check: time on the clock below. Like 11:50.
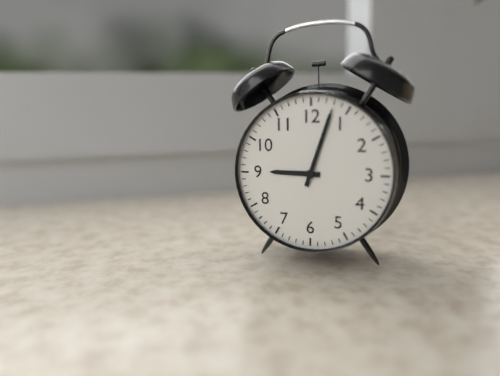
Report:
9:03
